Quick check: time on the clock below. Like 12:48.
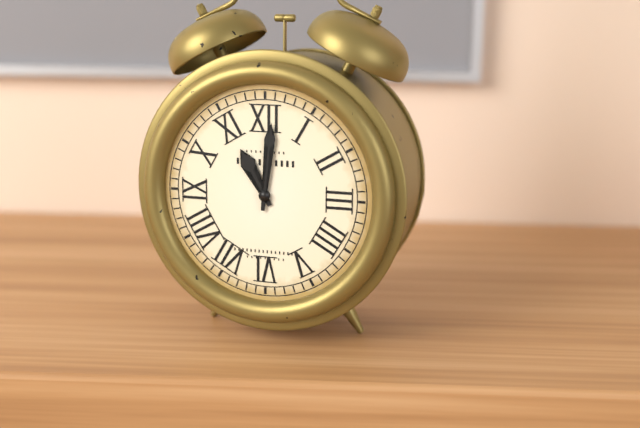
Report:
11:01
